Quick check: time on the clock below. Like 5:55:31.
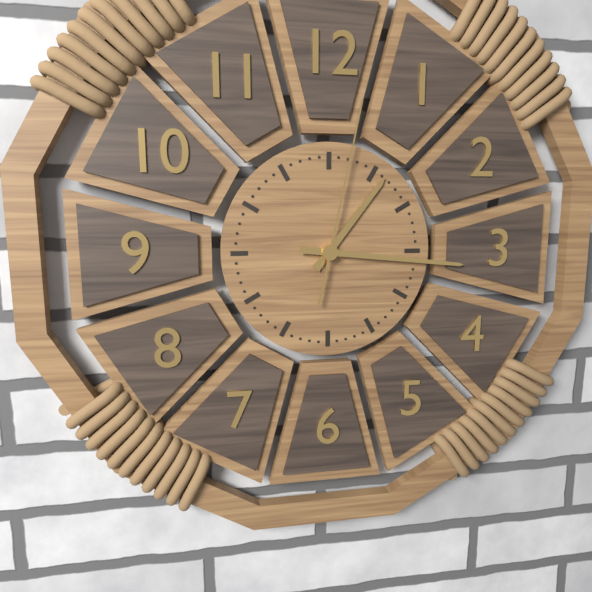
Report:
1:16:02
